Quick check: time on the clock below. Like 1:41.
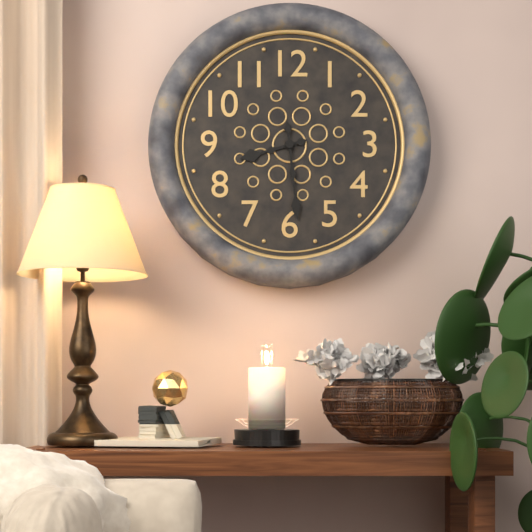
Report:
8:29
